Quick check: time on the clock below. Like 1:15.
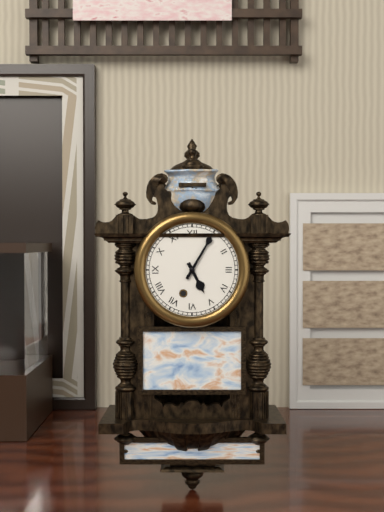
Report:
5:05
